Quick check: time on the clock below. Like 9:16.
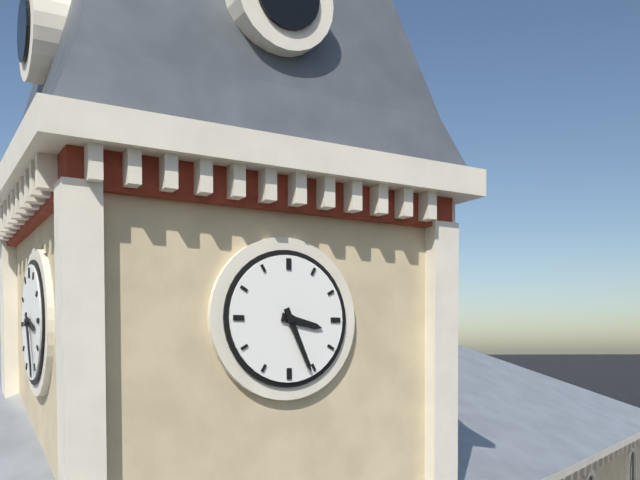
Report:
3:26
